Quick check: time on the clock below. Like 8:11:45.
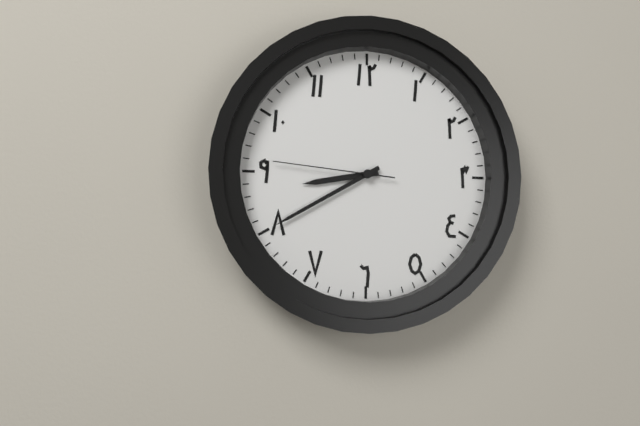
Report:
8:40:46
